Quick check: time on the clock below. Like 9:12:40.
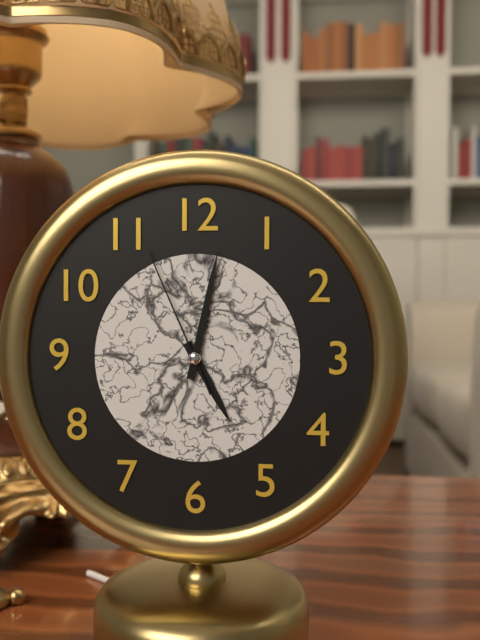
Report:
5:02:56
